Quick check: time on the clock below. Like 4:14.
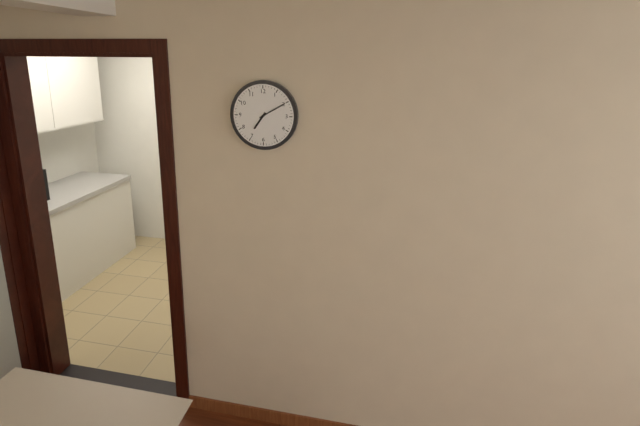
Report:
7:10
